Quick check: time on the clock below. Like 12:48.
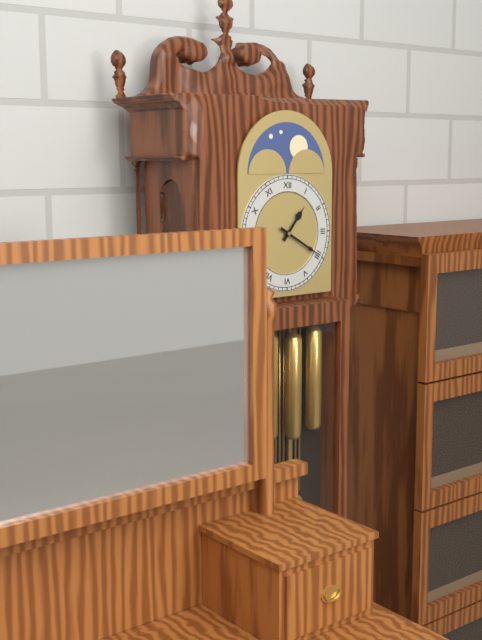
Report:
1:20
